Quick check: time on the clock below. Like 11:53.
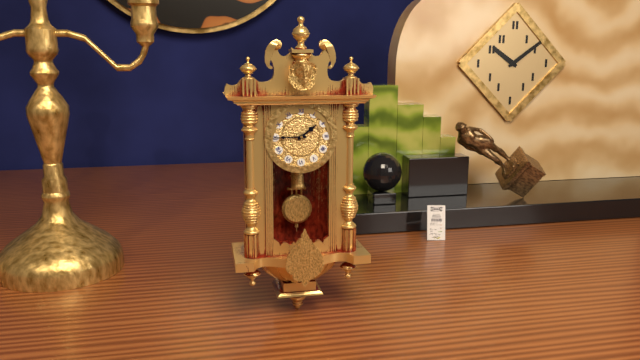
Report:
1:45
